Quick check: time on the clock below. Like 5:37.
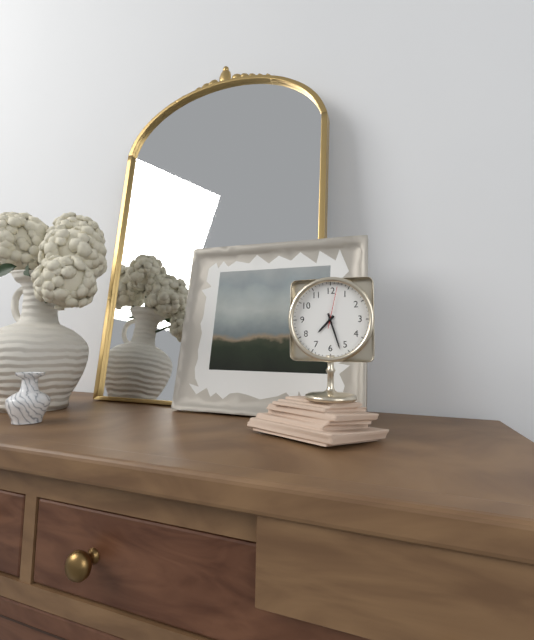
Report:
7:27
